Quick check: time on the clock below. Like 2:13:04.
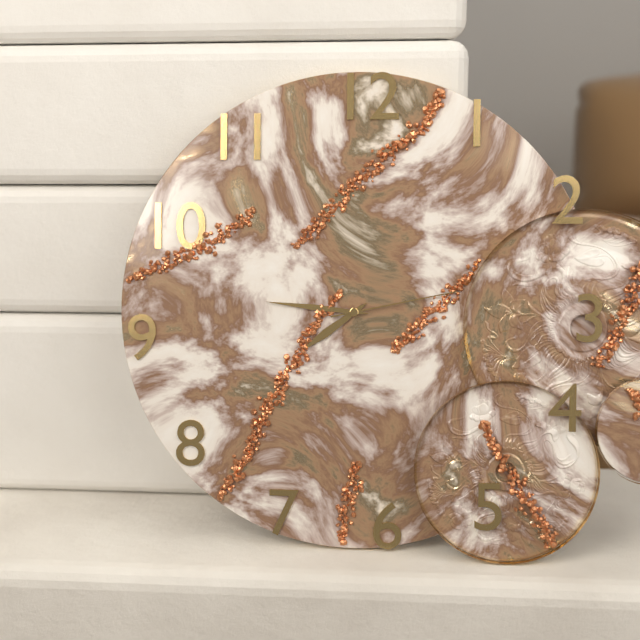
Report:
7:46:13
